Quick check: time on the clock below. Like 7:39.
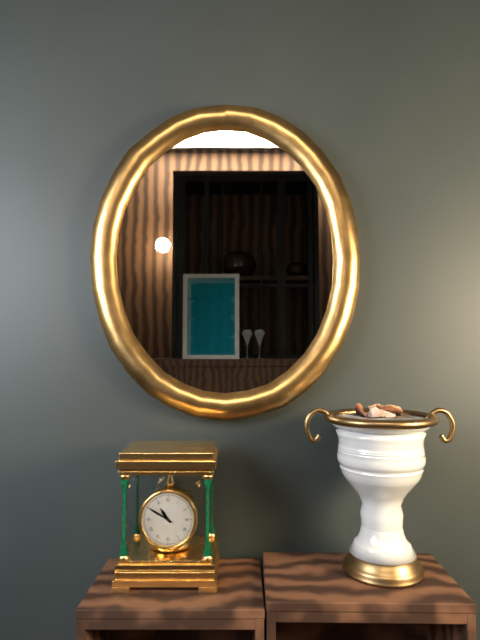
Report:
10:50
